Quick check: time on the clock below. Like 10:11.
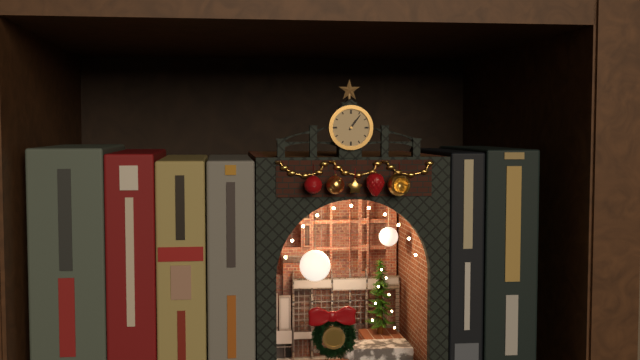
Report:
1:06
